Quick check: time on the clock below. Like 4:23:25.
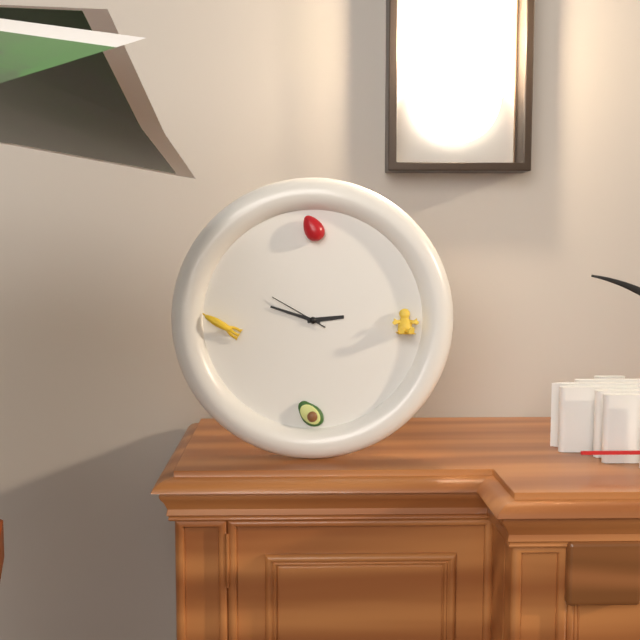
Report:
2:48:50
